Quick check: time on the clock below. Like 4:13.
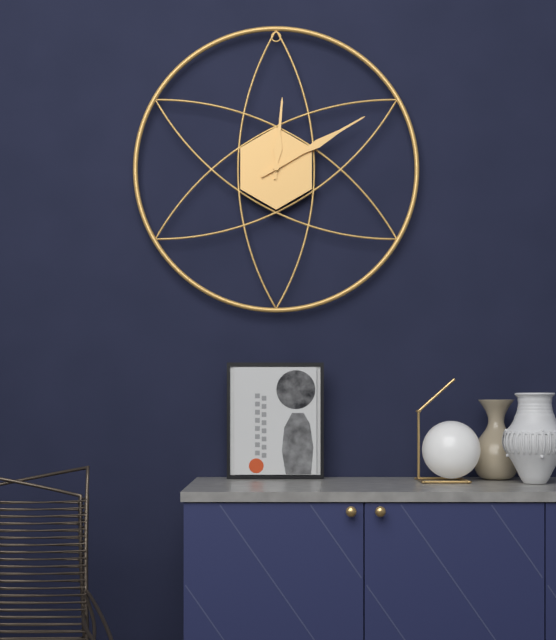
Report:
12:10
